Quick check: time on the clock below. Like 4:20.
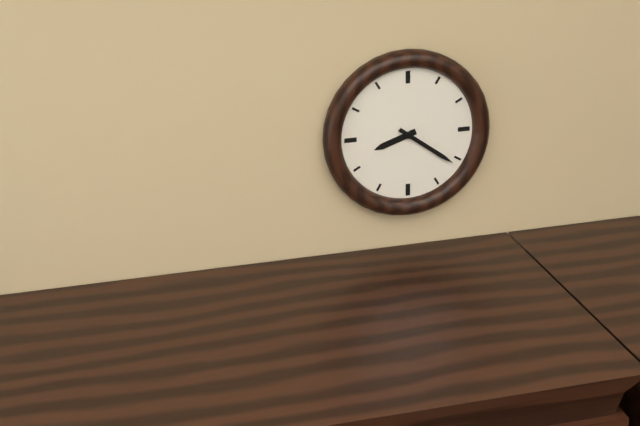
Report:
8:21
